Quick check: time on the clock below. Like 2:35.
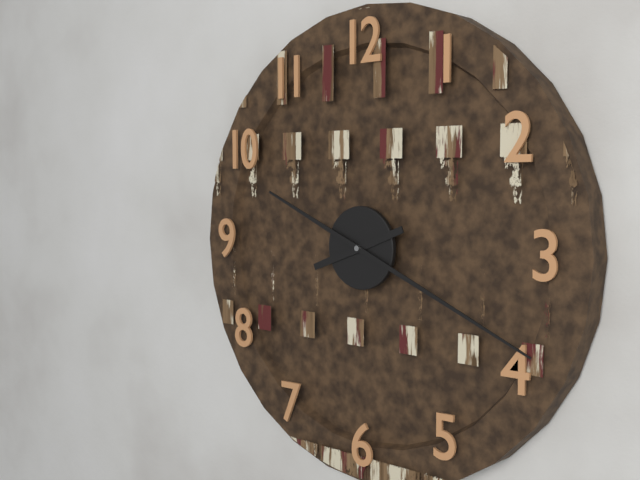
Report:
8:19
